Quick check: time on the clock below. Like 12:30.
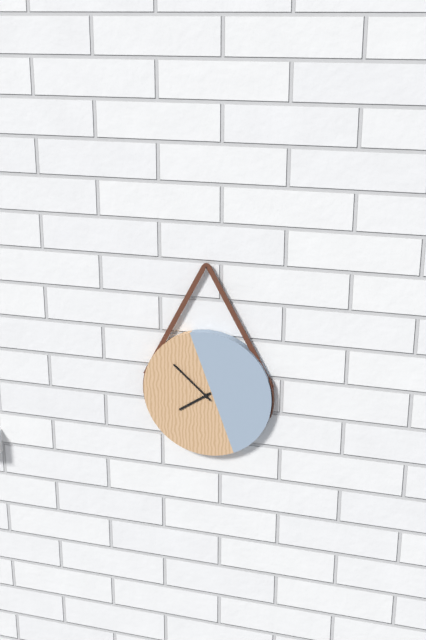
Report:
7:52
